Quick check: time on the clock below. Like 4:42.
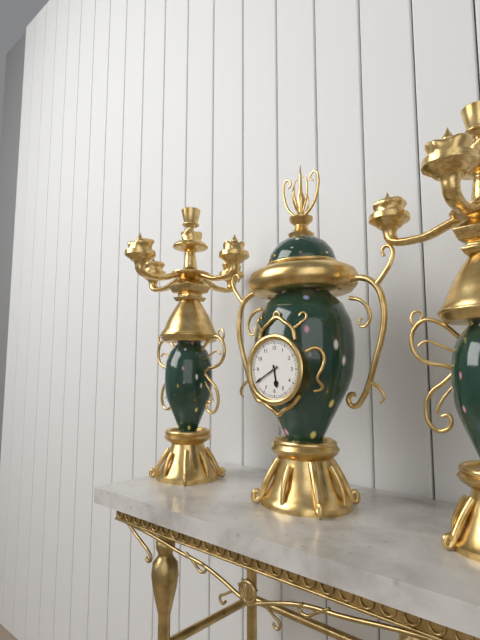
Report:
5:40
